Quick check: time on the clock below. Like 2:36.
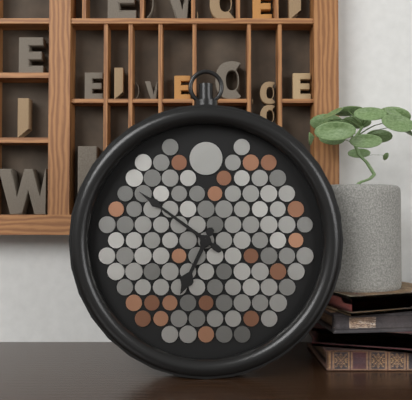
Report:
6:51
